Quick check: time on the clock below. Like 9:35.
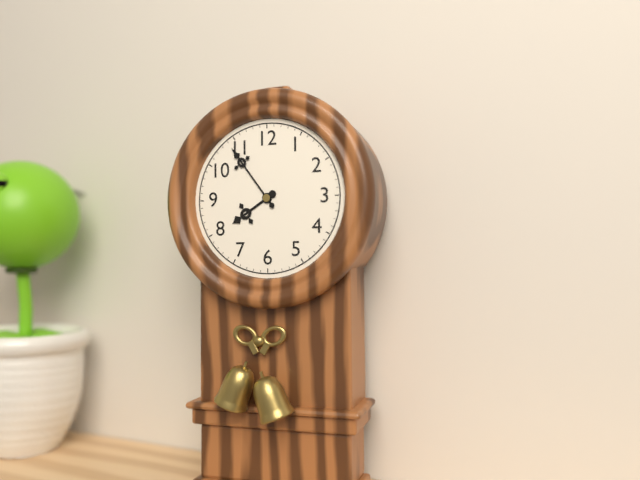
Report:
7:54
